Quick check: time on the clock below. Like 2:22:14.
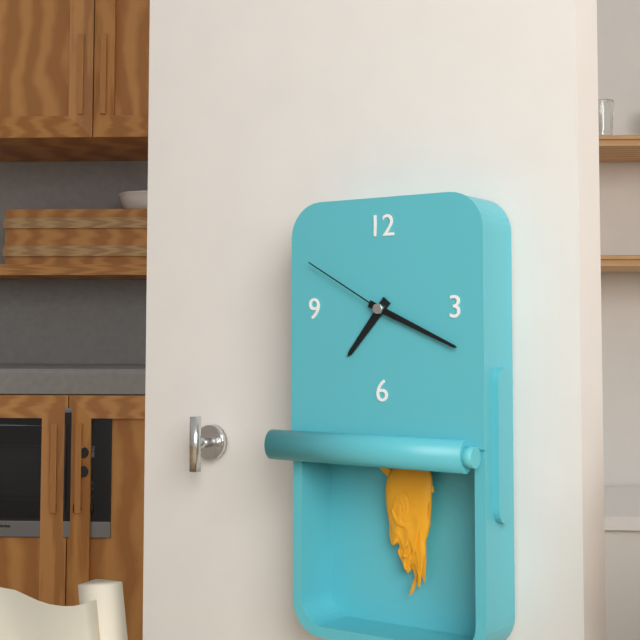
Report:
7:19:50
